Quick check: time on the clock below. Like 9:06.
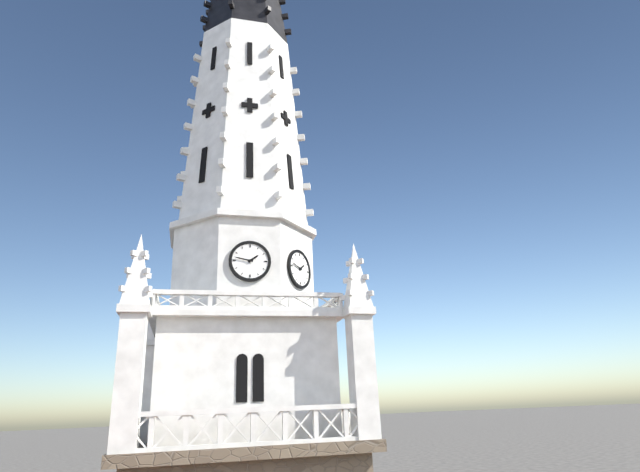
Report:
1:47
